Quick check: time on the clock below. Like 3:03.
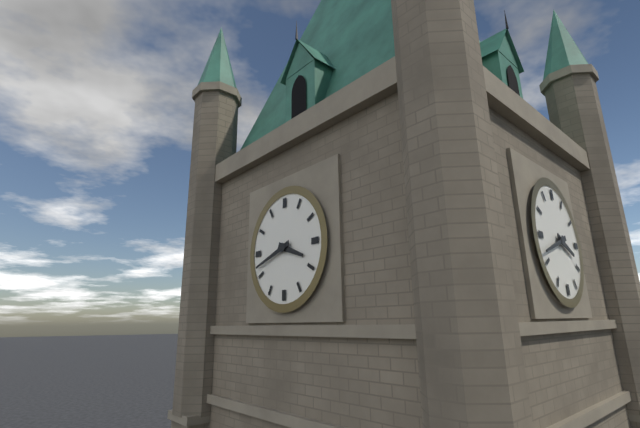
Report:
3:42
